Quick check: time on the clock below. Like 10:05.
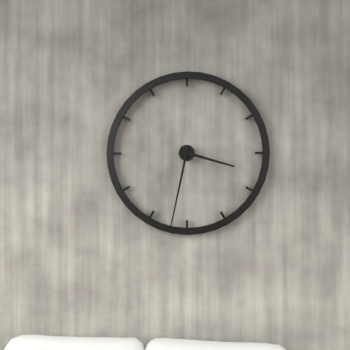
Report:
3:32
